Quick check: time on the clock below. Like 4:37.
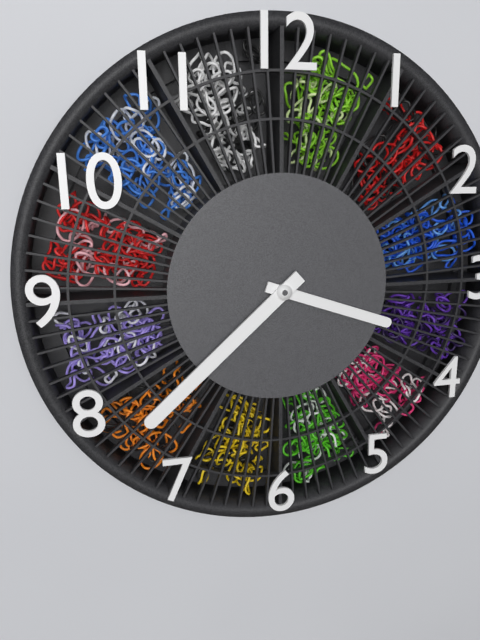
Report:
3:38
